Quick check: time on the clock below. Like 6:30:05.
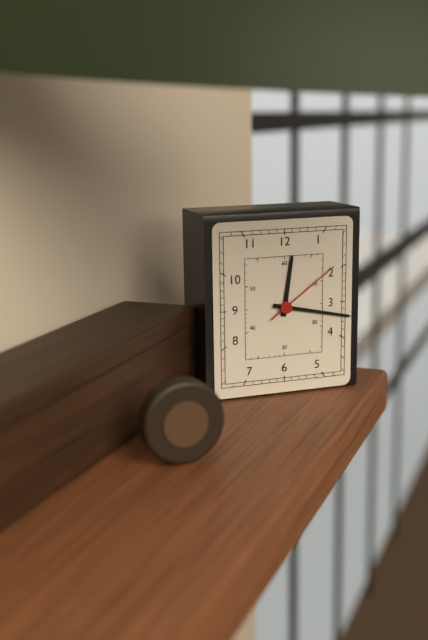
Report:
12:17:09
